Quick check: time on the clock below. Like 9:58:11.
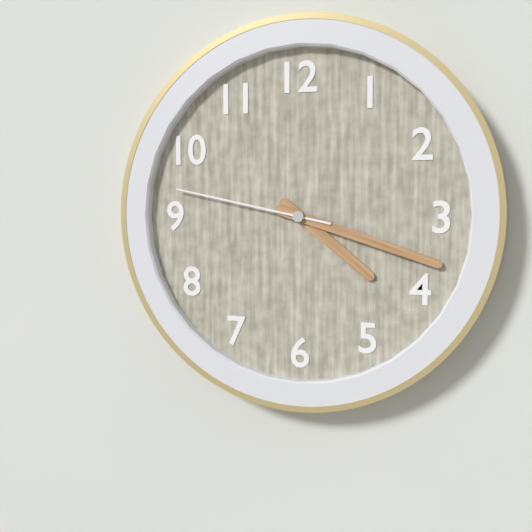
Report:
4:18:47
